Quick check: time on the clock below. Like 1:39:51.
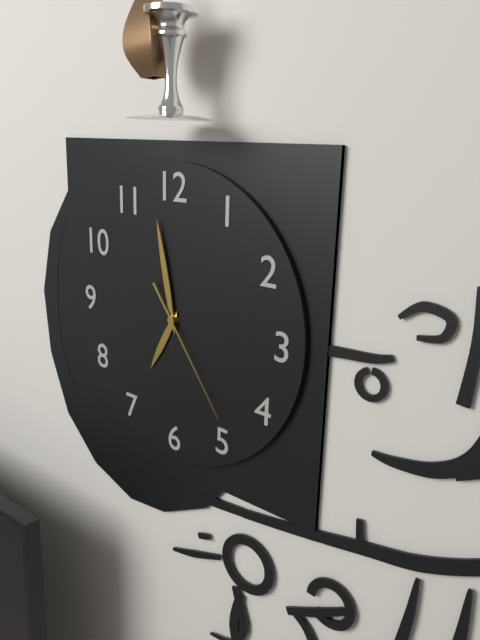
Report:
6:58:24
